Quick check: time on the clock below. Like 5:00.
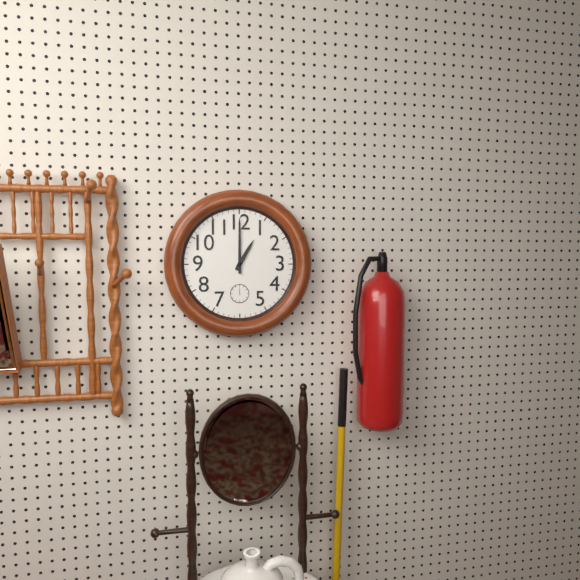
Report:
1:00
